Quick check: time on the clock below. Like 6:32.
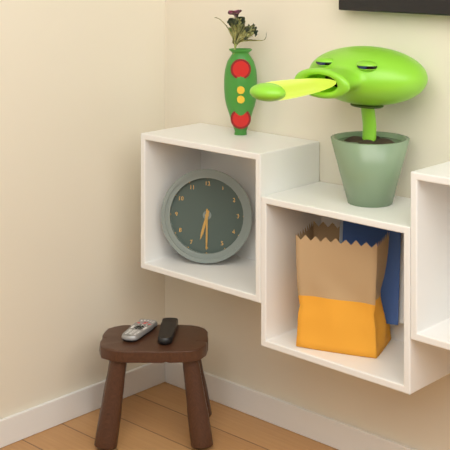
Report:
6:30
